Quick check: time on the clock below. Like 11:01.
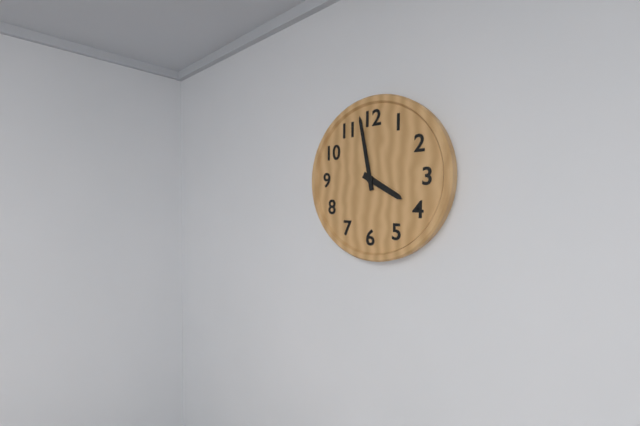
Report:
3:58
